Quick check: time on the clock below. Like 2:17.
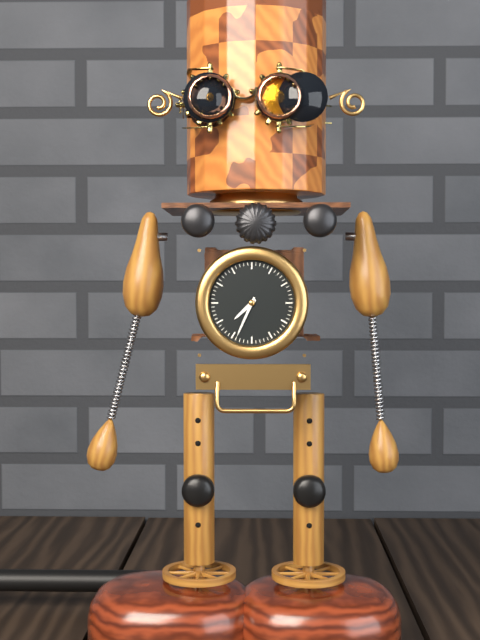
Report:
7:34
